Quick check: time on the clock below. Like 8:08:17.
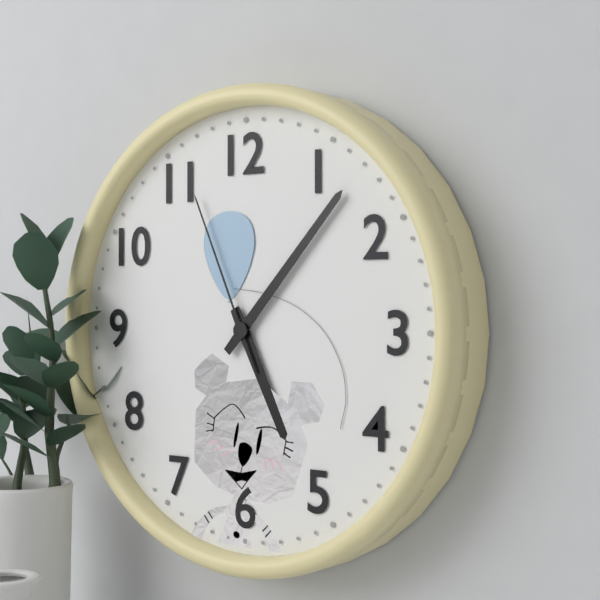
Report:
5:07:56
